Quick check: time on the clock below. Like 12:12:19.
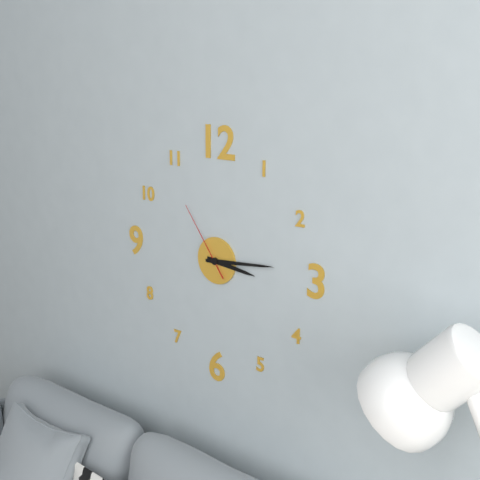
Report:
3:14:54
